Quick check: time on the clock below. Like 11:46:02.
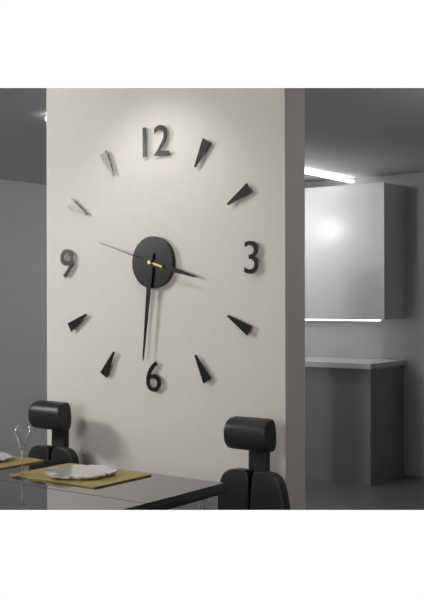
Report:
3:31:48
